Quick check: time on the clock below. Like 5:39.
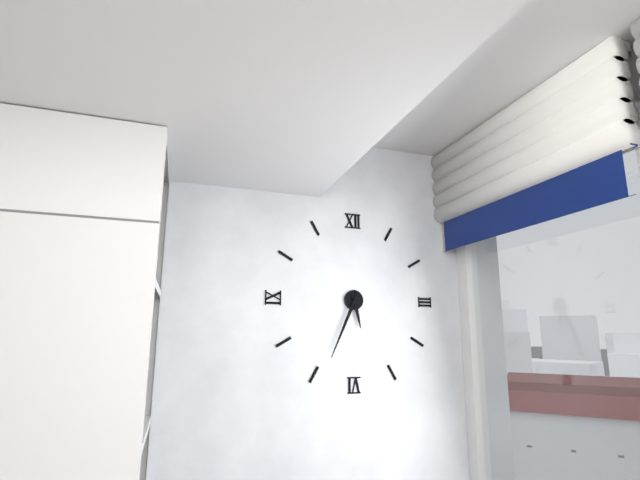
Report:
5:34
